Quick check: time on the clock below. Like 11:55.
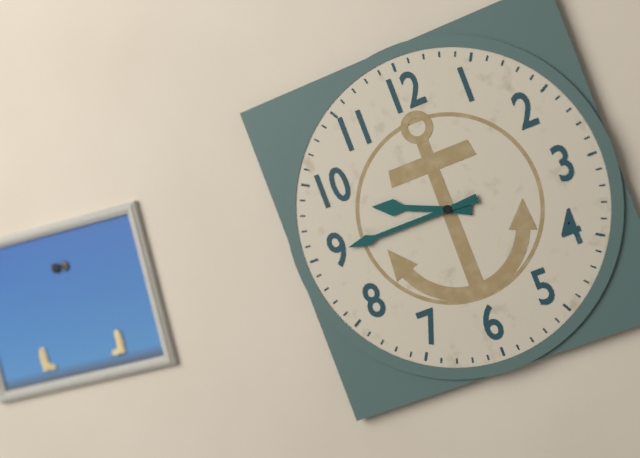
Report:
9:45
